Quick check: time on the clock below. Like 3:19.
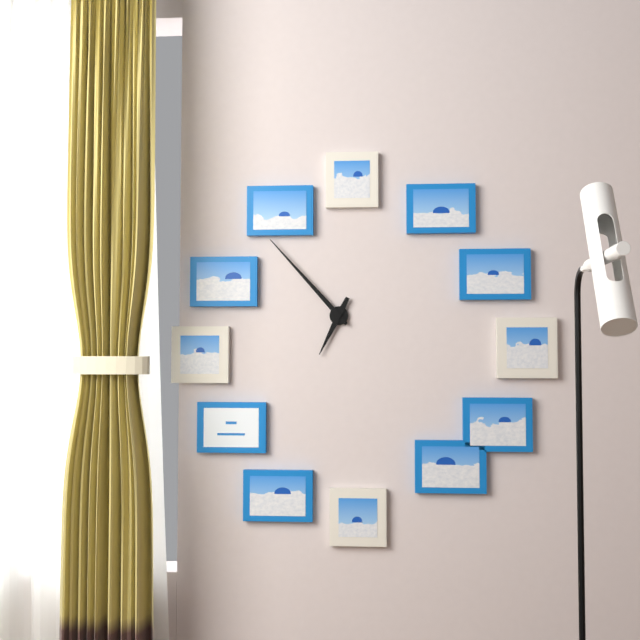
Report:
6:53
